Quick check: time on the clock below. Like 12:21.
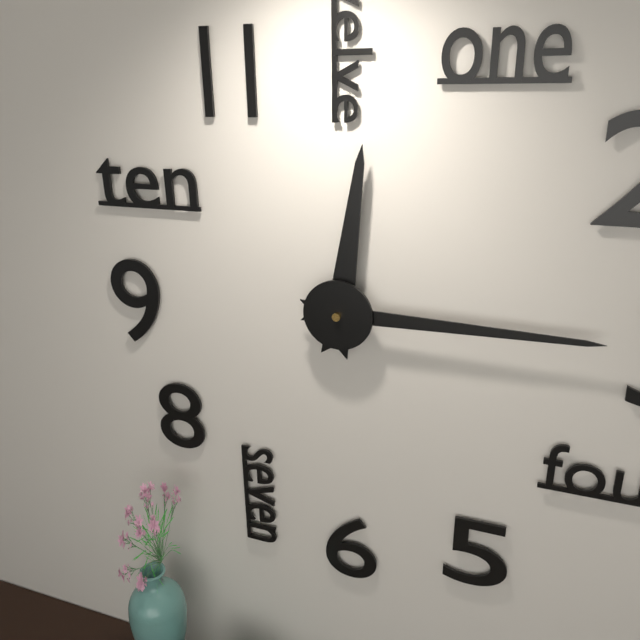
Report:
12:15
